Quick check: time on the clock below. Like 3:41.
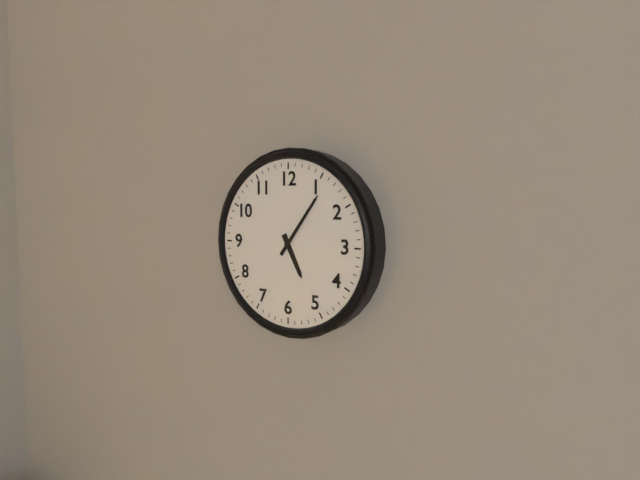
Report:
5:06
